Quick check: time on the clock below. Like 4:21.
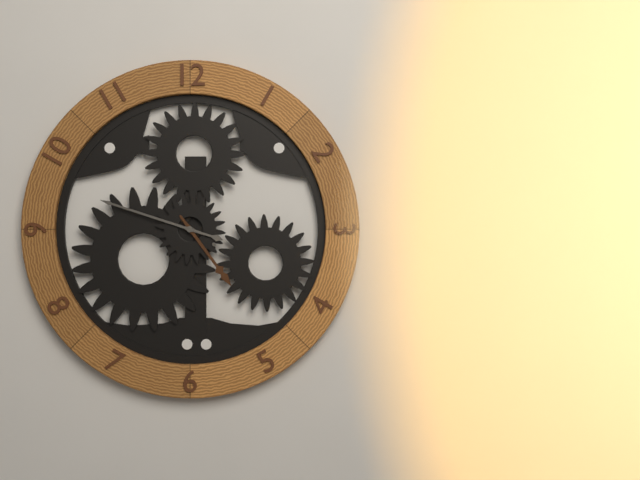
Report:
4:48
